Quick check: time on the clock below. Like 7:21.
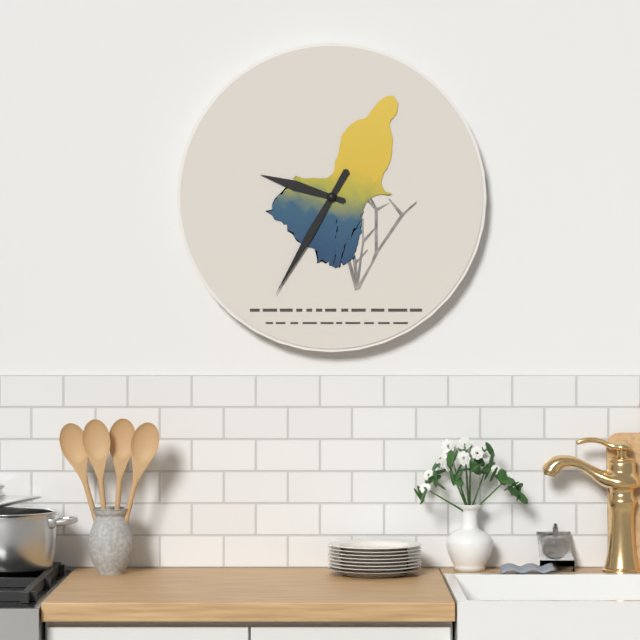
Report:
9:35
